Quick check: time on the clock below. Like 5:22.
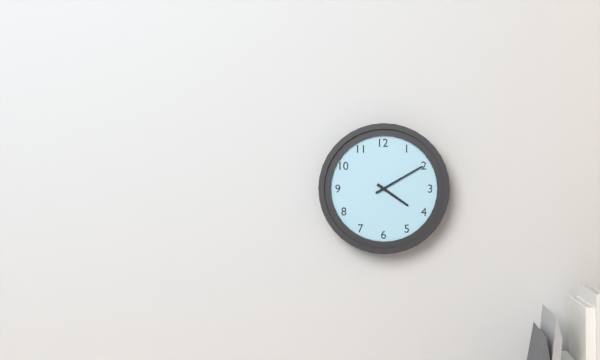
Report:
4:10
